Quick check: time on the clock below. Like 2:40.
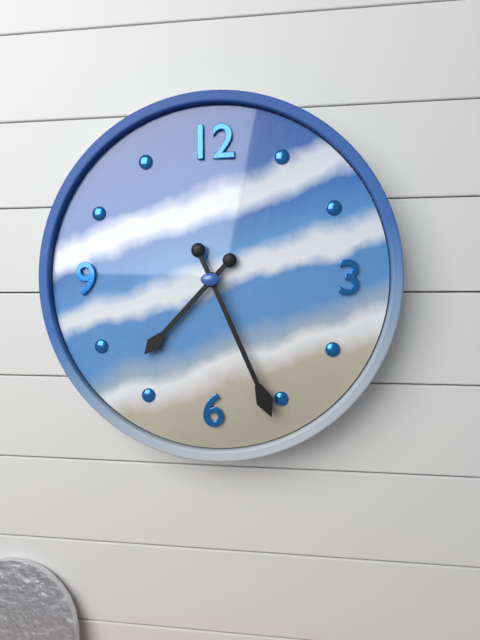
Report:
7:26
